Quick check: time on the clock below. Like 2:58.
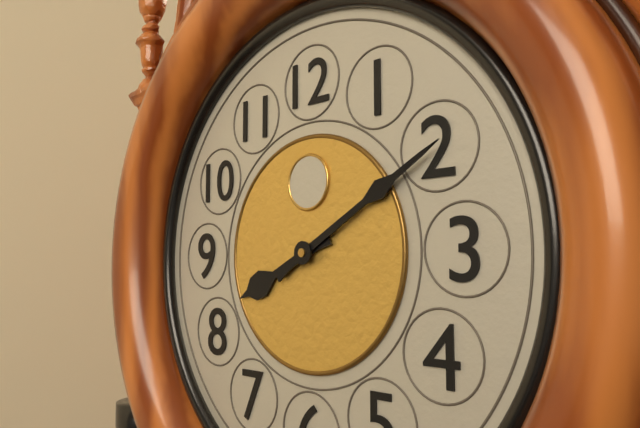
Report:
8:10
